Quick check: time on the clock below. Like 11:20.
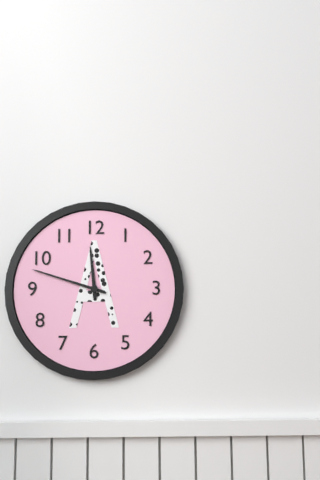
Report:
11:48
